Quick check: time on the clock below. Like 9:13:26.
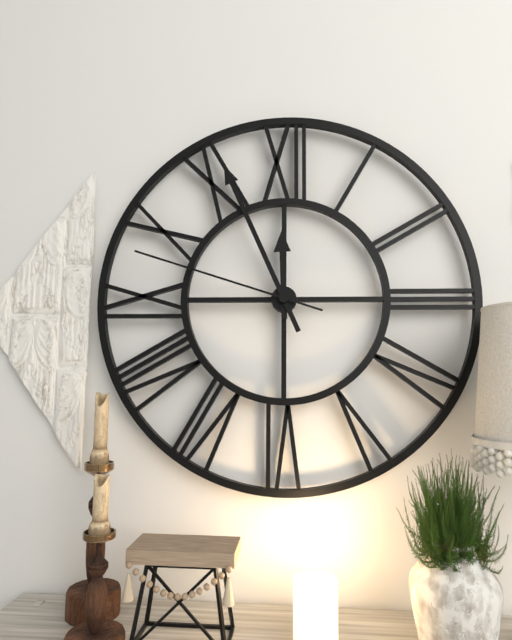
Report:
11:56:48
